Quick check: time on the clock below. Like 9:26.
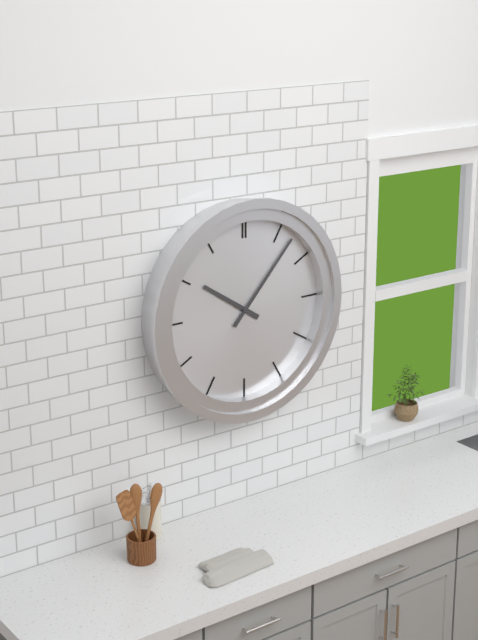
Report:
10:07
